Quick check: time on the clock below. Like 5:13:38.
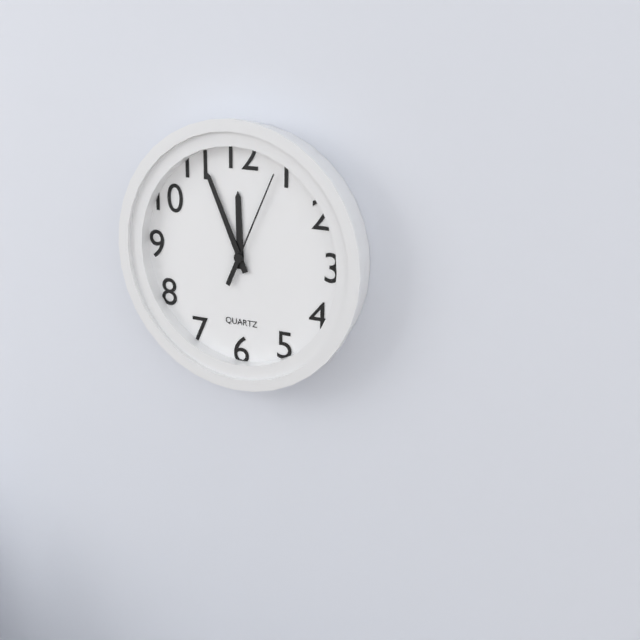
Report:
11:56:04
